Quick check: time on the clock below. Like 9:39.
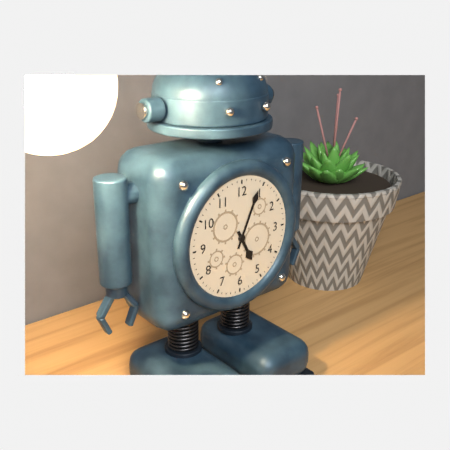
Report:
5:04
